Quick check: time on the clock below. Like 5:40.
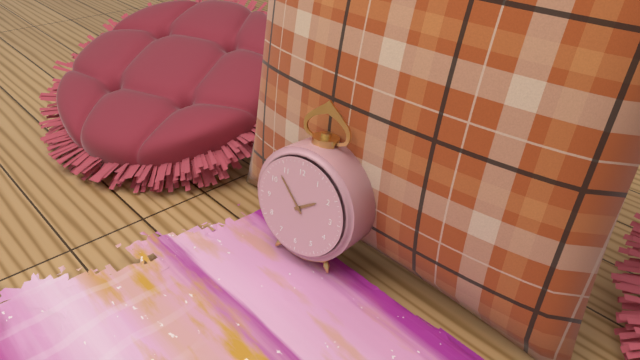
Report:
1:53
